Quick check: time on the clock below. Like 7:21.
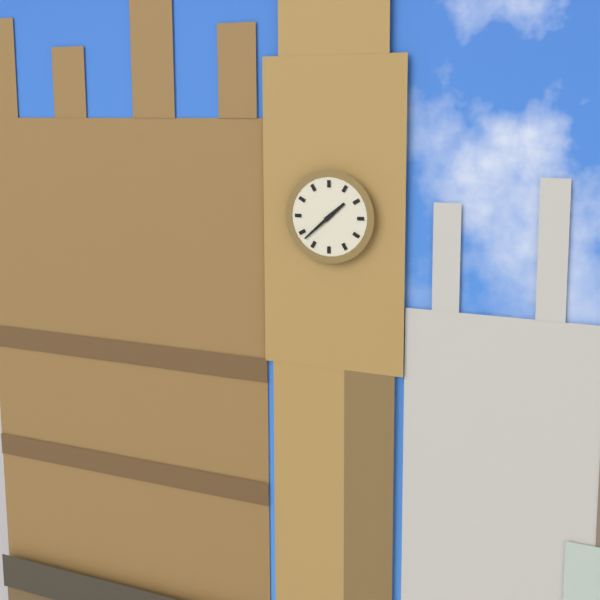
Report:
1:38
